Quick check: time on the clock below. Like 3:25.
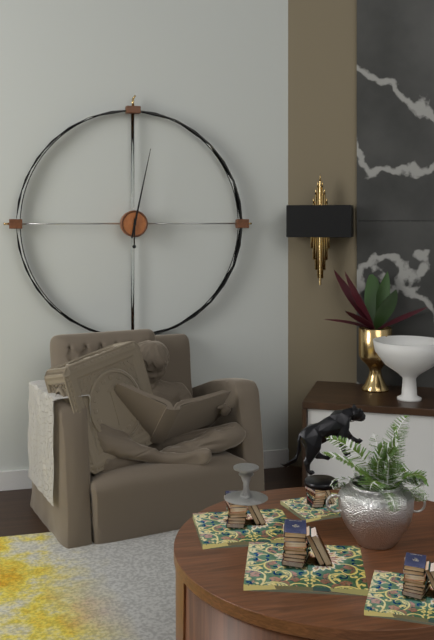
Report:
6:02
